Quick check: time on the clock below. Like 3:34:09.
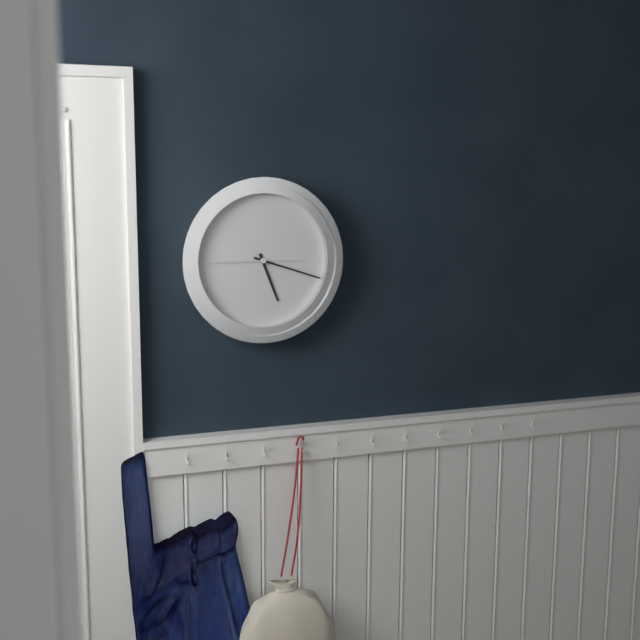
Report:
5:18:45
